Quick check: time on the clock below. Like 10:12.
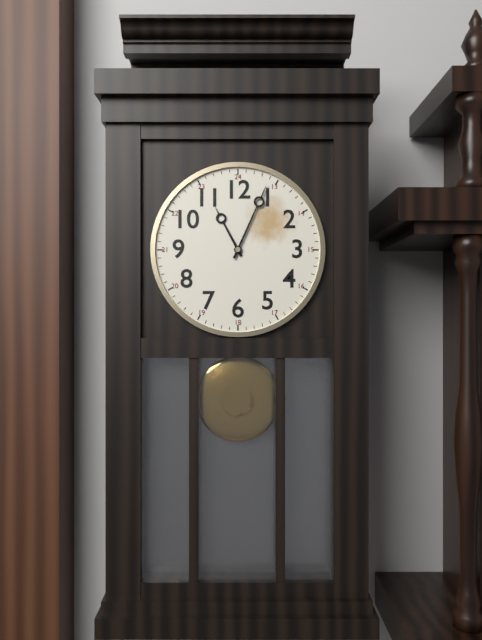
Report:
11:04
